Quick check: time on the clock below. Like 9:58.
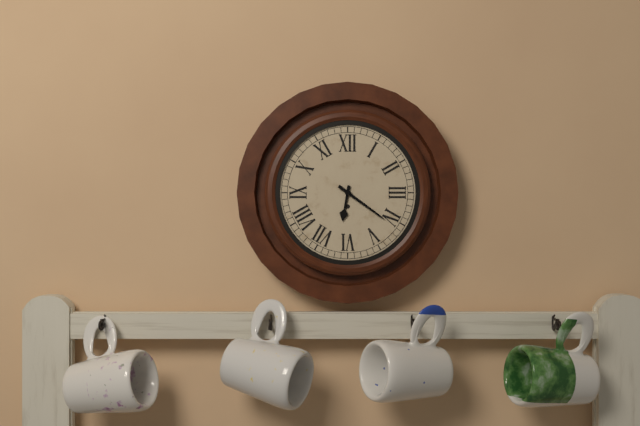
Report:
6:21
